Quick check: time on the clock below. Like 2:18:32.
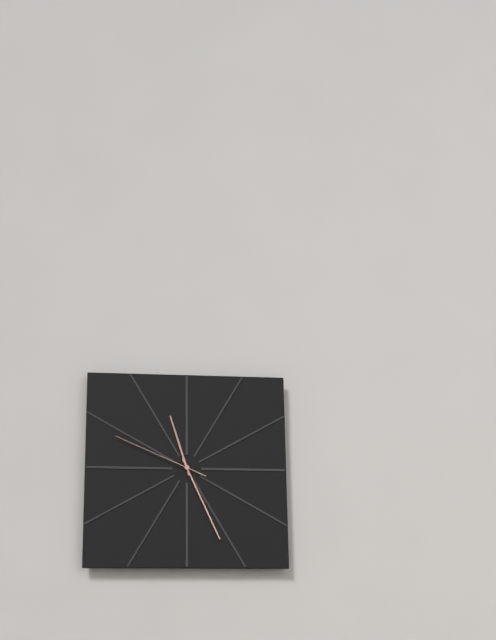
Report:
11:26:49
